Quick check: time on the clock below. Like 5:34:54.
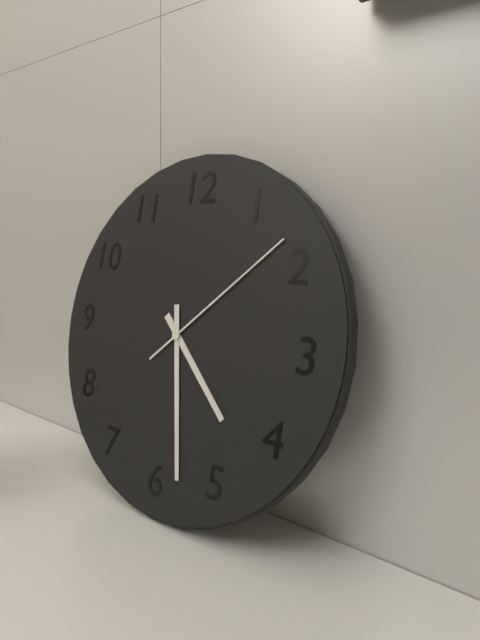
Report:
4:28:08
